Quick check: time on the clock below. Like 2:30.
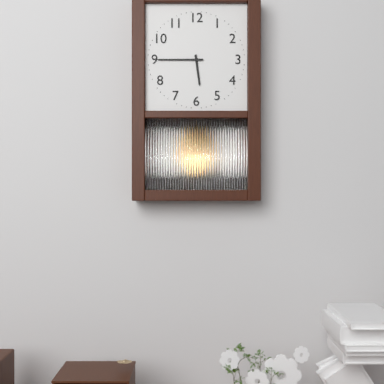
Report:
5:45
